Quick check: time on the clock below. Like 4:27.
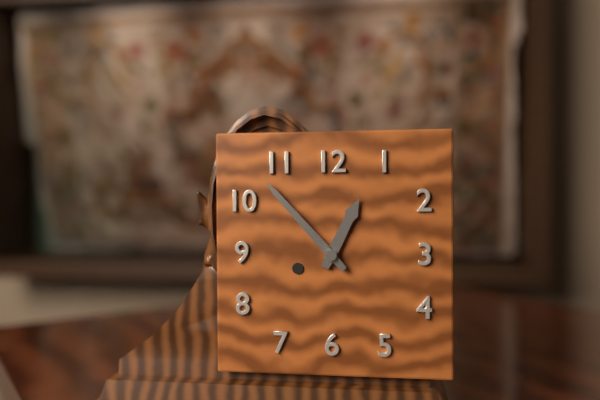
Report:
12:53
